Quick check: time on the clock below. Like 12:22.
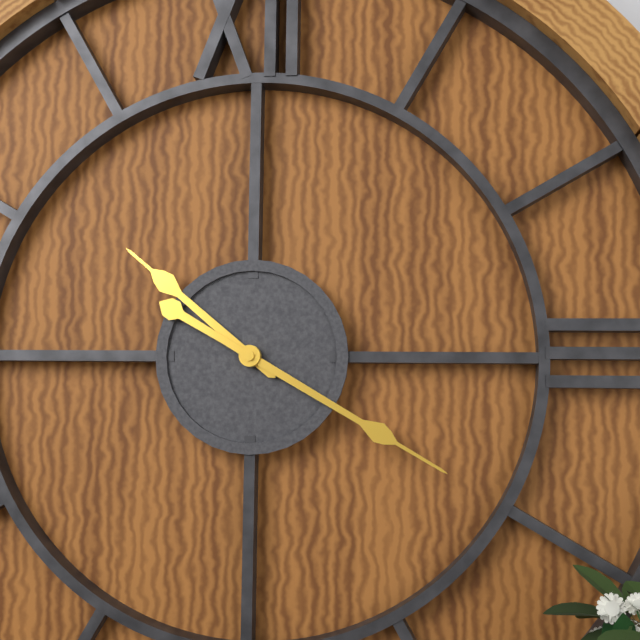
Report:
10:20
